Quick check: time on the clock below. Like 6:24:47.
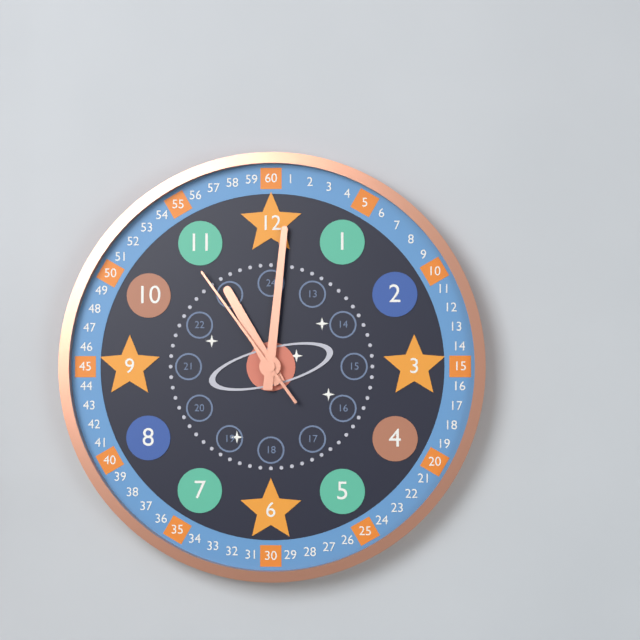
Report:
11:01:54
